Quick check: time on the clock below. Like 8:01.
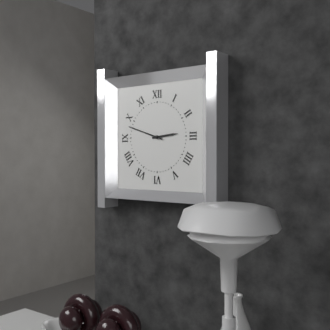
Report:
2:48
